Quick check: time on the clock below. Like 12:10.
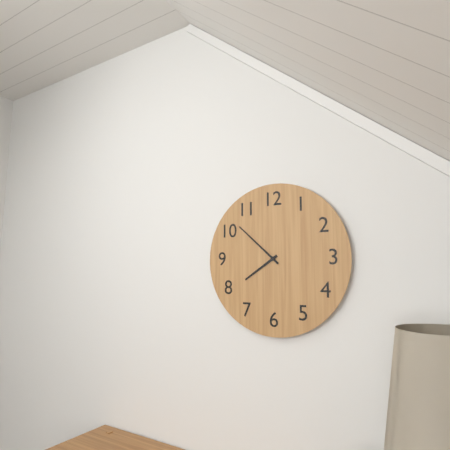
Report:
7:52
